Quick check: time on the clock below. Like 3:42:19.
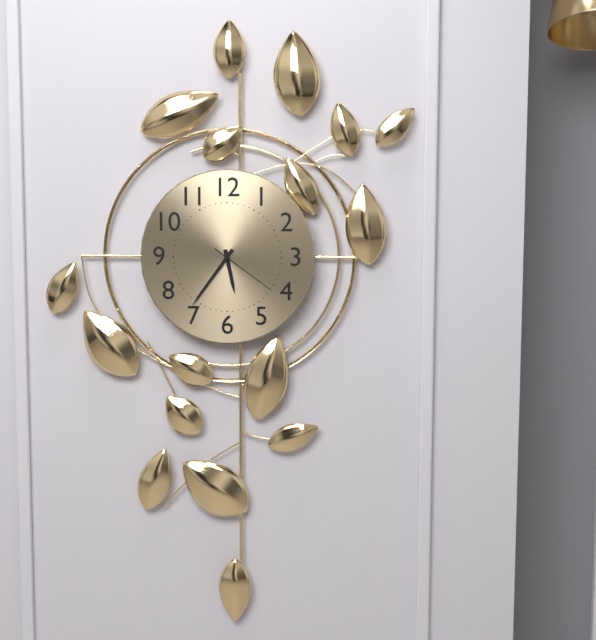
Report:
5:36:21
